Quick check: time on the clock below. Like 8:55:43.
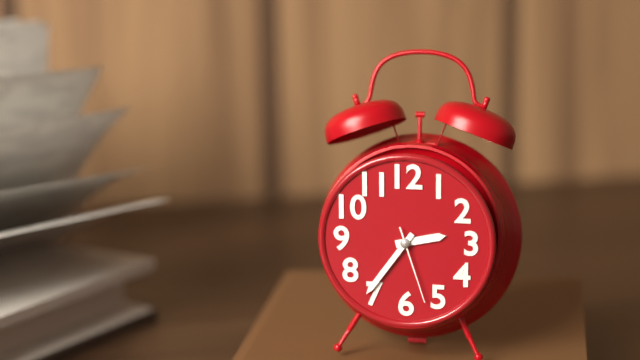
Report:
2:36:27
